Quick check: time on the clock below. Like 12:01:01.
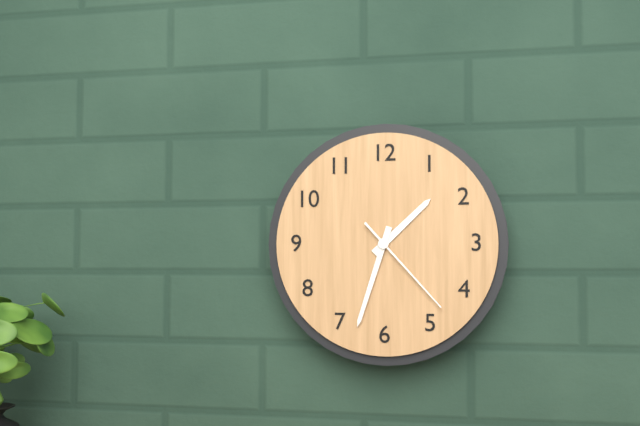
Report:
1:33:23
